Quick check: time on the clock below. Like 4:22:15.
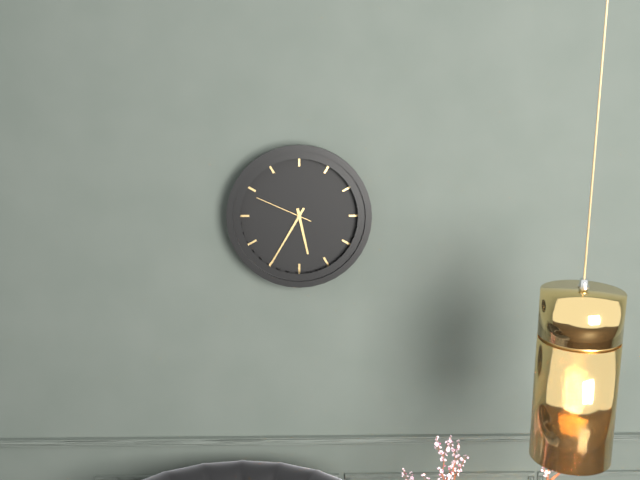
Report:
5:35:49
